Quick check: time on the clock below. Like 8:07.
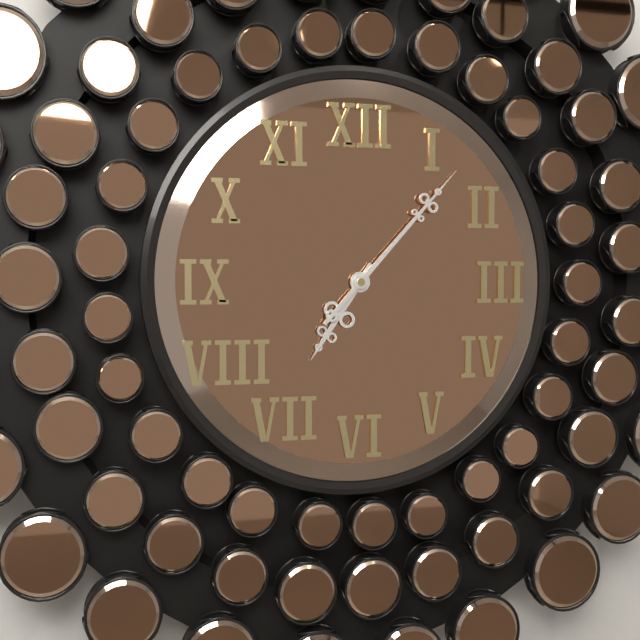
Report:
7:07
